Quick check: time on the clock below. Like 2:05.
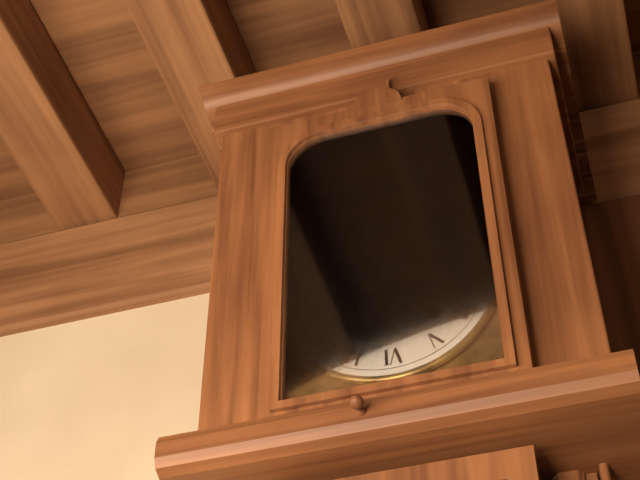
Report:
6:56
